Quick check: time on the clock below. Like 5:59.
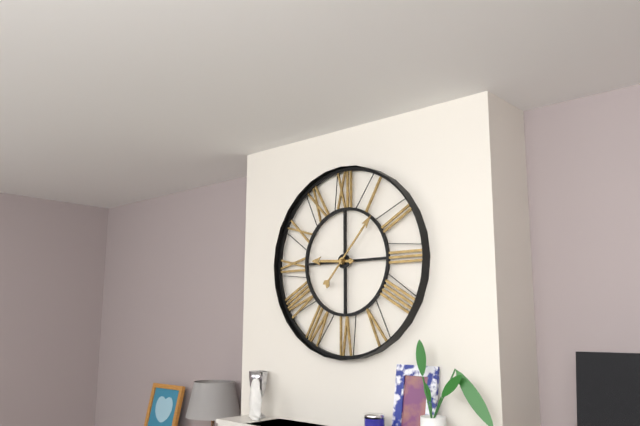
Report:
9:07
